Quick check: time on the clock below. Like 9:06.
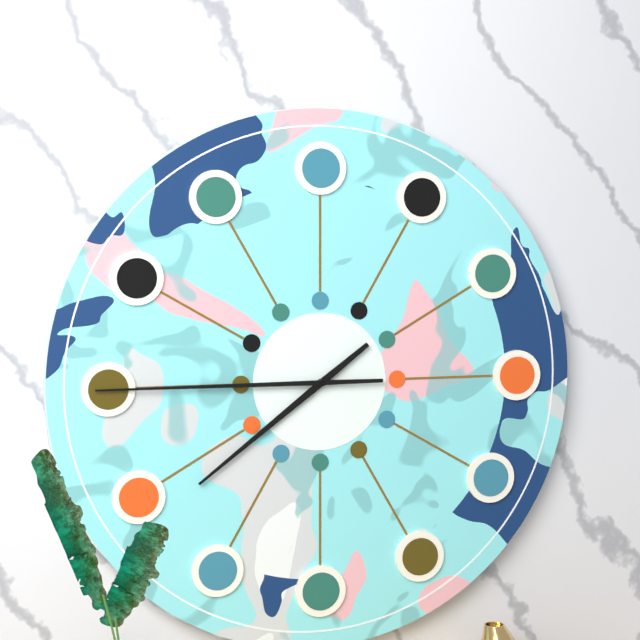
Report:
7:45
